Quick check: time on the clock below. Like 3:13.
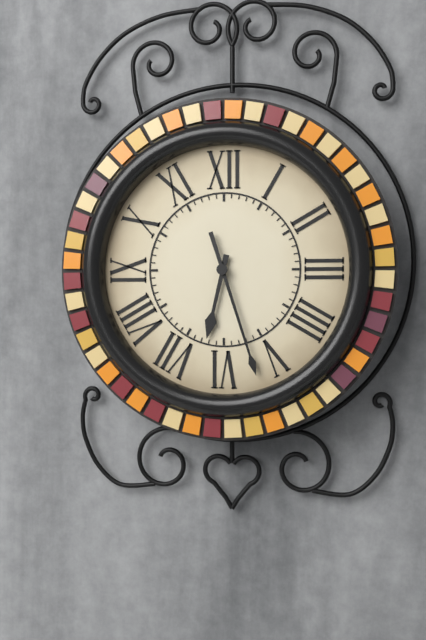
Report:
6:27
